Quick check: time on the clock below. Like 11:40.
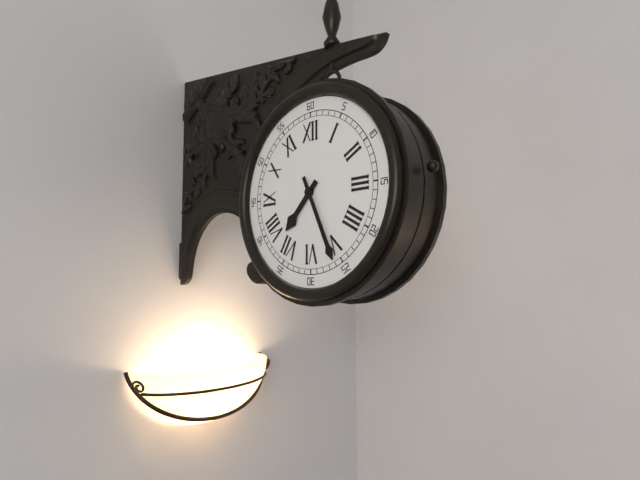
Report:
7:26
